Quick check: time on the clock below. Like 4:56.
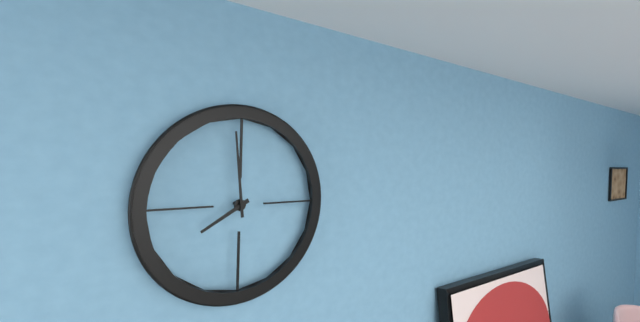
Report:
7:59
